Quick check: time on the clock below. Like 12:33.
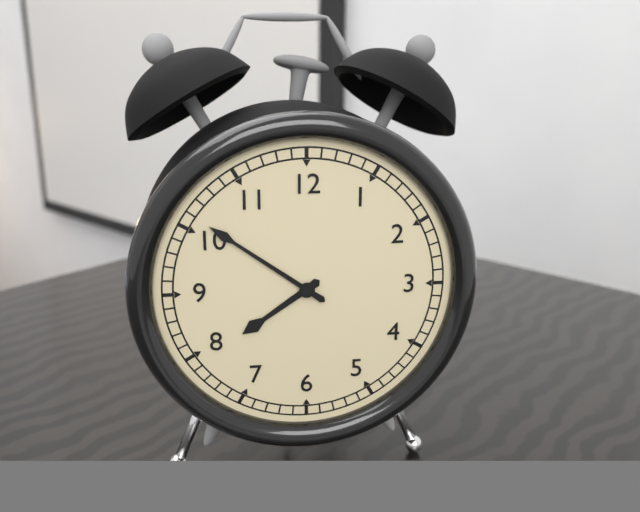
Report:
7:51
